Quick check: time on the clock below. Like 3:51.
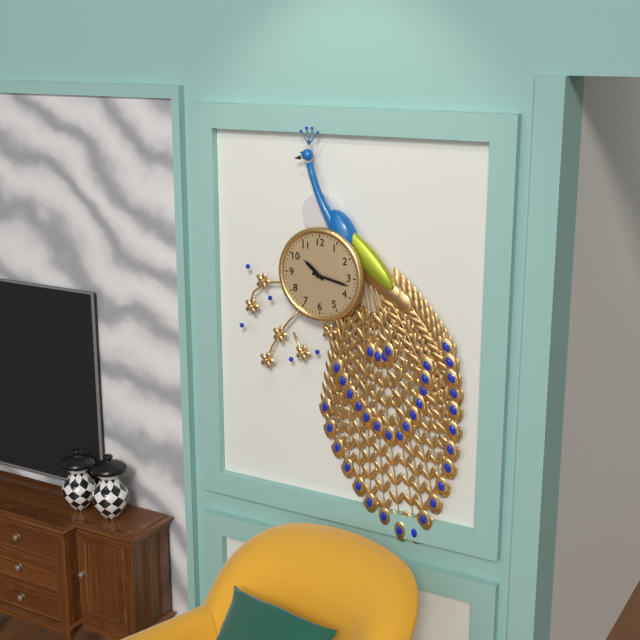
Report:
10:17
